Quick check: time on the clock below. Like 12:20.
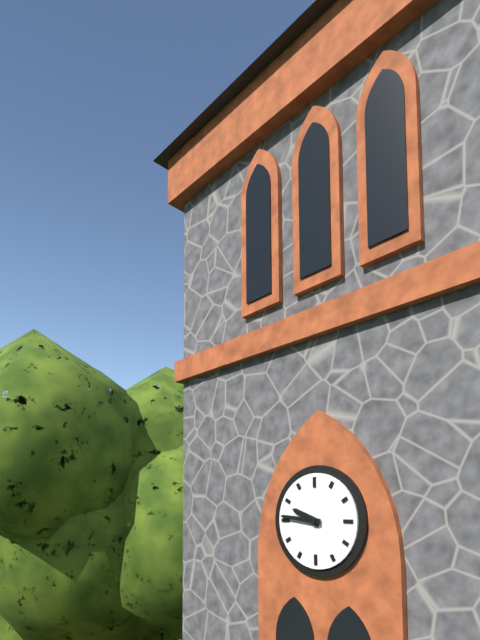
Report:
9:46
